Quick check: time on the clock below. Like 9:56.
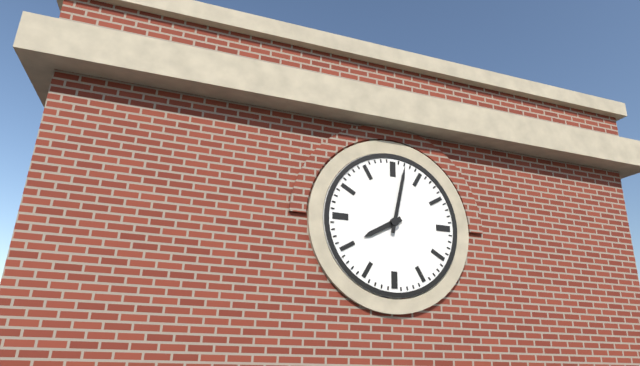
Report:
8:02
